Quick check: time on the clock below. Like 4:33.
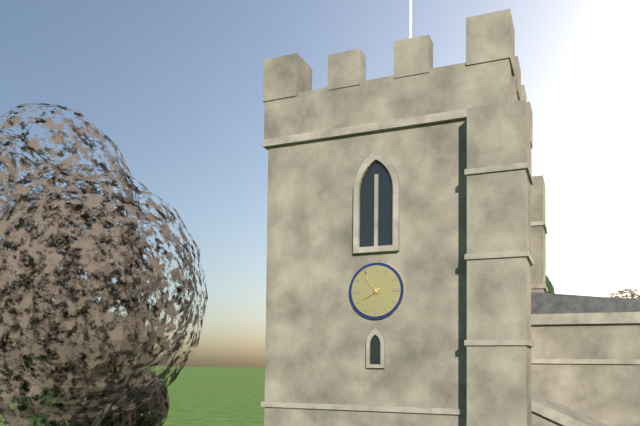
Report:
7:54
